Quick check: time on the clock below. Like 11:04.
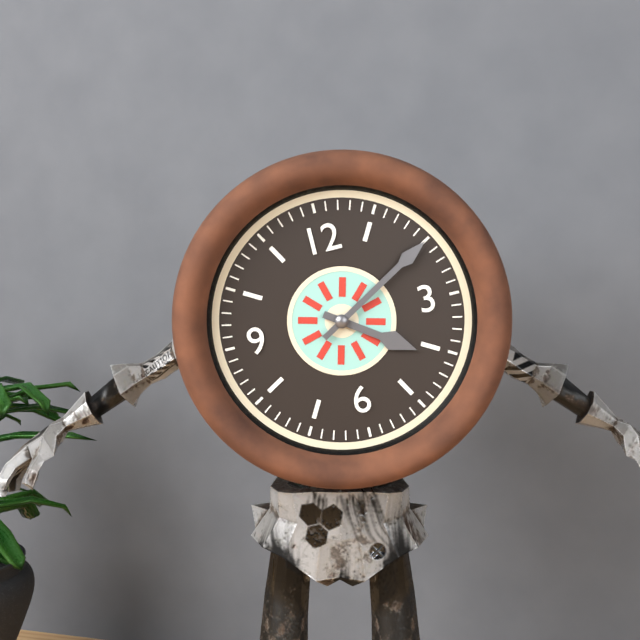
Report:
4:10
